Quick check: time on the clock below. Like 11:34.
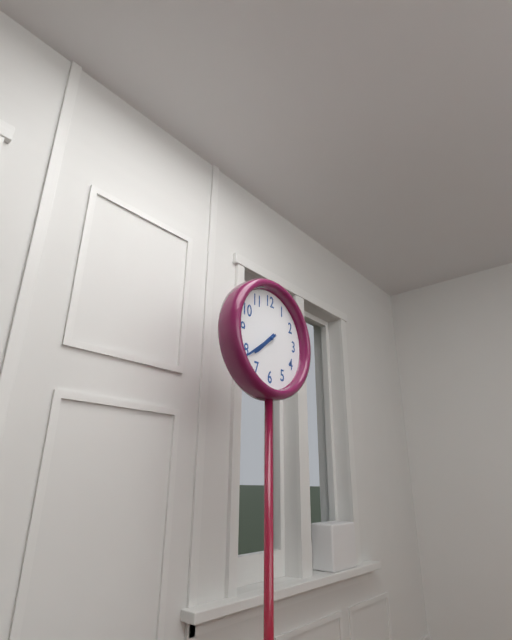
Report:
7:39
